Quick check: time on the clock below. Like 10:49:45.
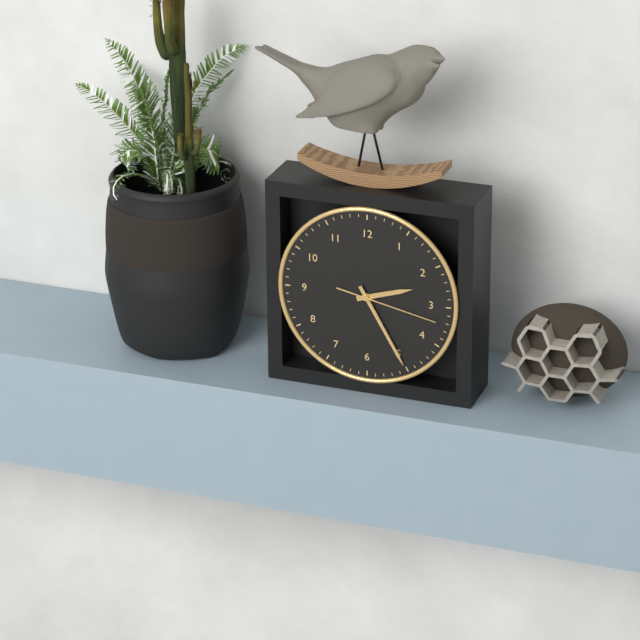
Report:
2:25:17
